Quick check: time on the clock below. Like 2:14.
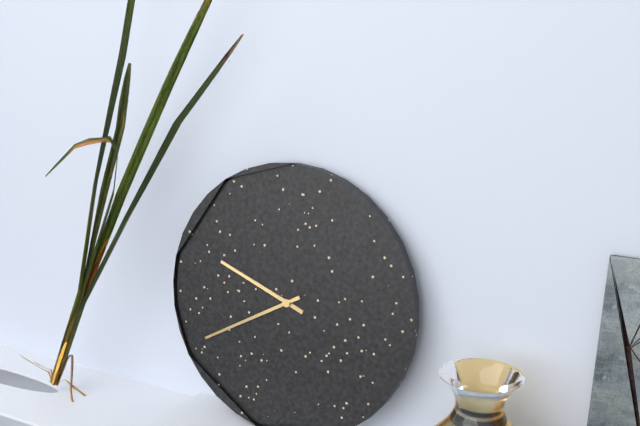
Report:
9:40
